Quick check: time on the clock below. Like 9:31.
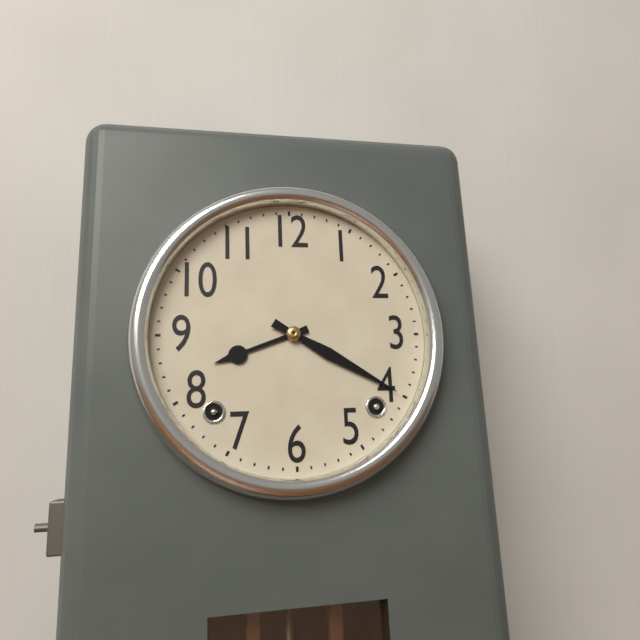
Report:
8:20
